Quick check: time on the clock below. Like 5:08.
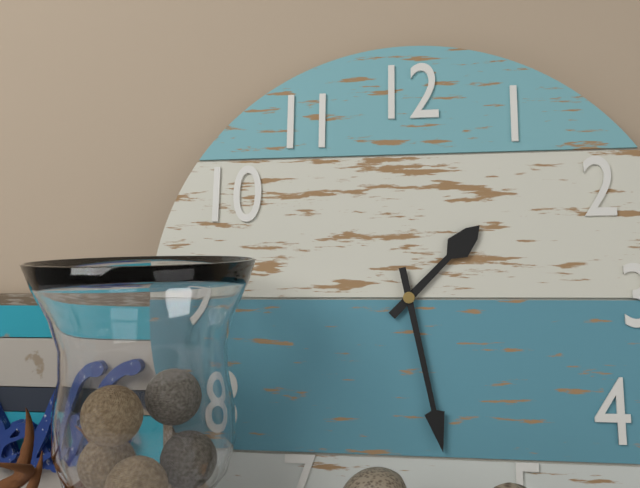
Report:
1:28
